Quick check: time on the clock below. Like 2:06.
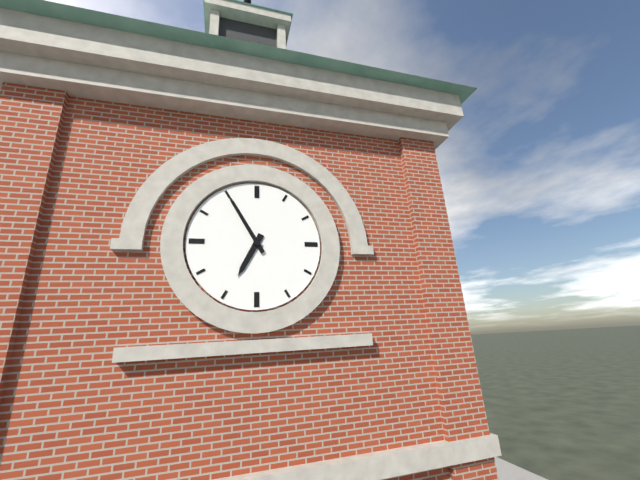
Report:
6:55
